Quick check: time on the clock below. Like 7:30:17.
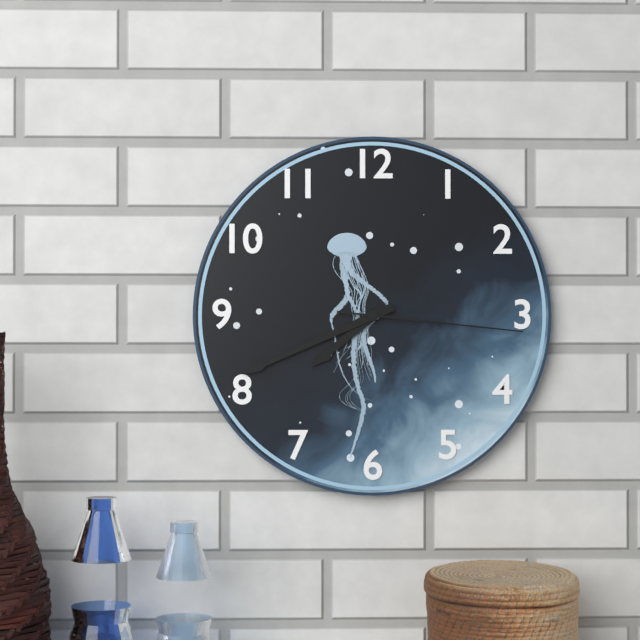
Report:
7:41:16
